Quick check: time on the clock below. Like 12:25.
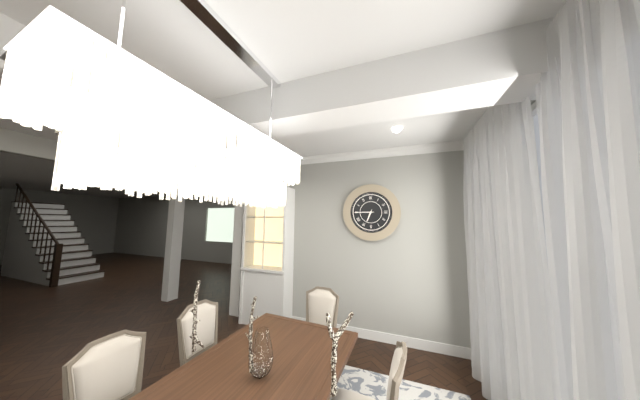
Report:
6:45
